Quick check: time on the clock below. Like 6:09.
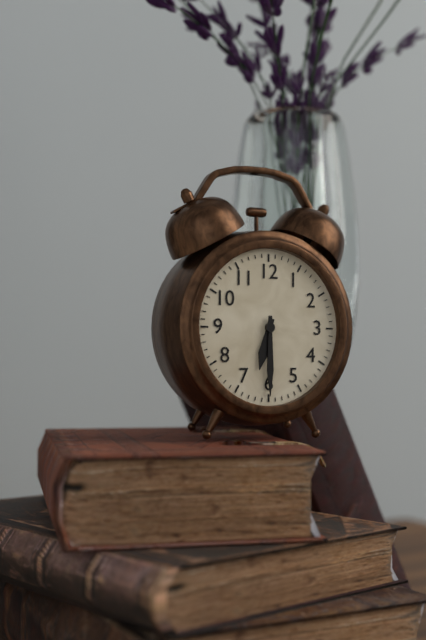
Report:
6:30
